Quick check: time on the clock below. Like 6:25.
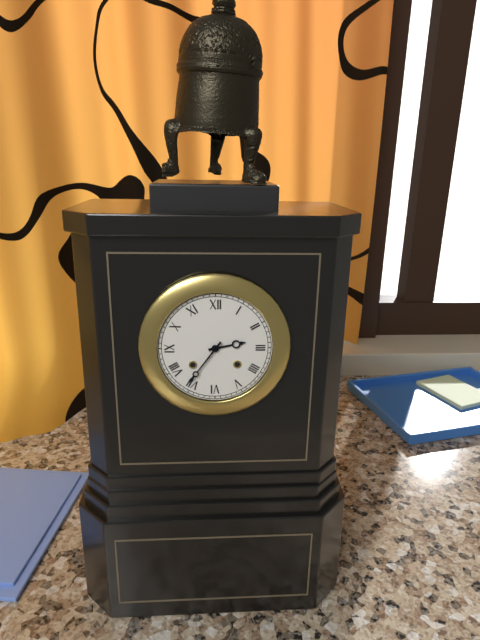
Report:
2:36
